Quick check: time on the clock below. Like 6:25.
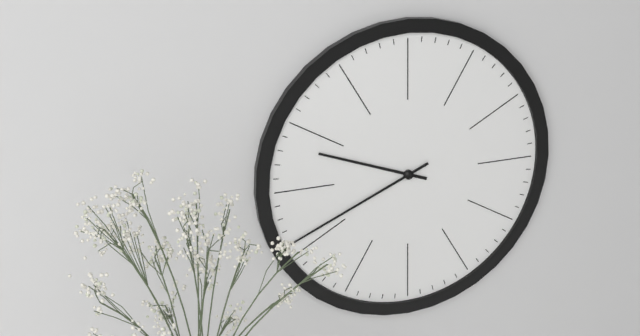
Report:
9:41
